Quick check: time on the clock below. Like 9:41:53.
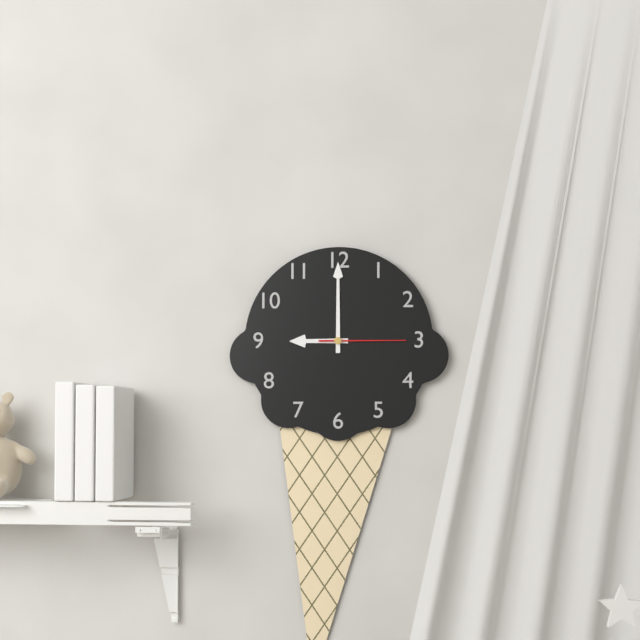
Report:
9:00:15
